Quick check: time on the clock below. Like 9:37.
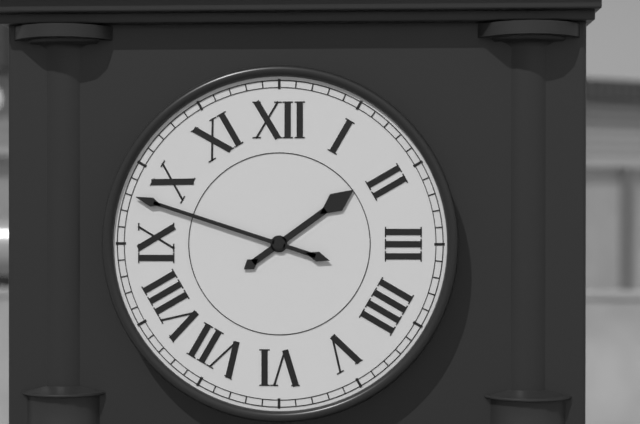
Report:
1:48
